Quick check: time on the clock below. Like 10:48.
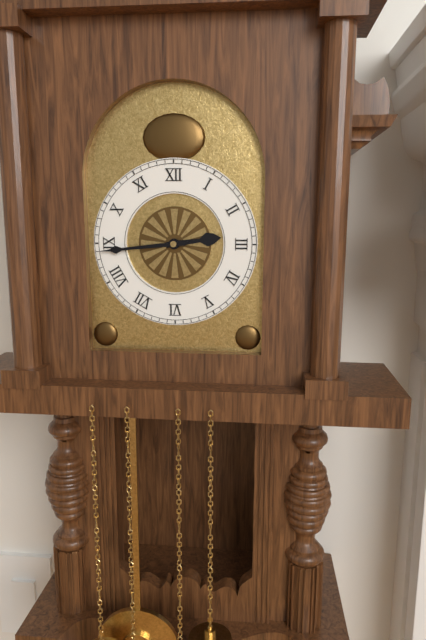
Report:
2:44
